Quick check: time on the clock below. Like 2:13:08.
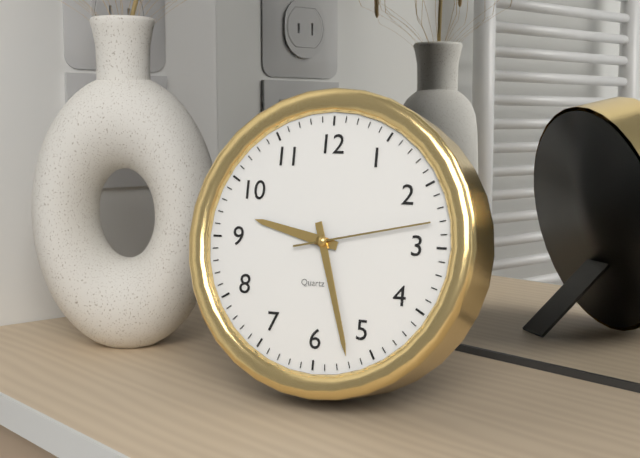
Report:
9:27:13
